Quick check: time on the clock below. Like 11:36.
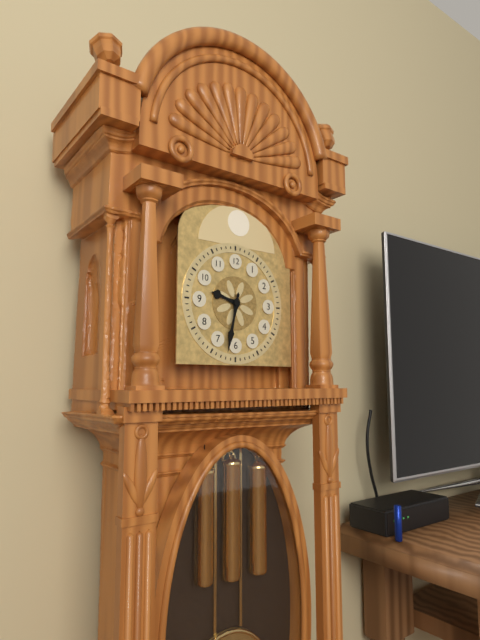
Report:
9:32
